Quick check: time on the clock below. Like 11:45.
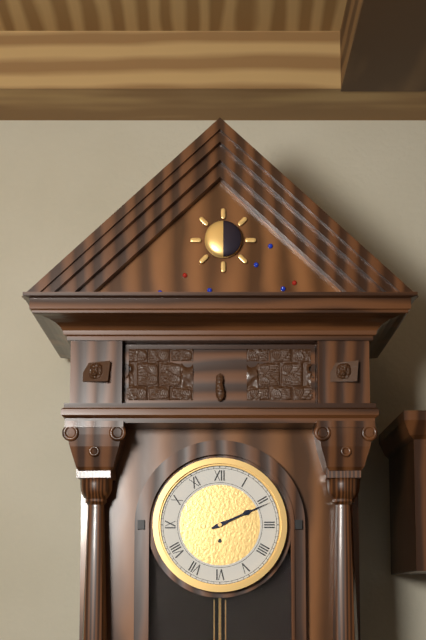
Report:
2:11
